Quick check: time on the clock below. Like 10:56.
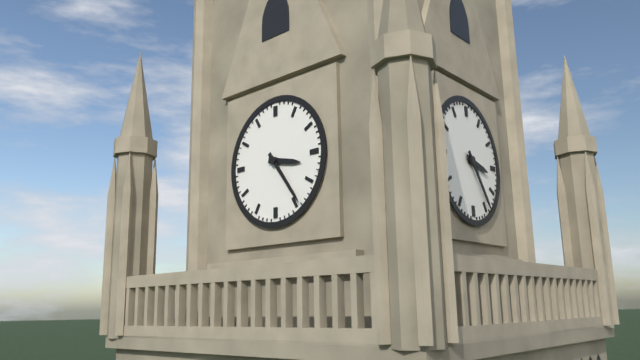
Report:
3:24
